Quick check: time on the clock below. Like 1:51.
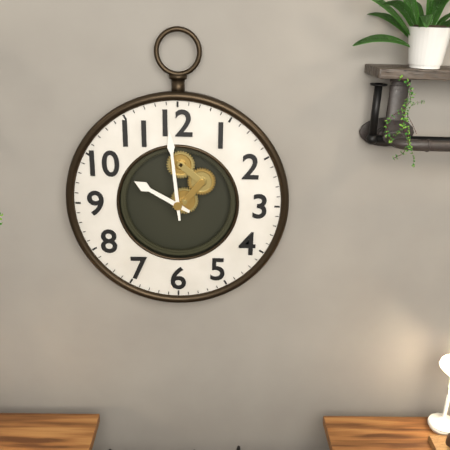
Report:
9:59
